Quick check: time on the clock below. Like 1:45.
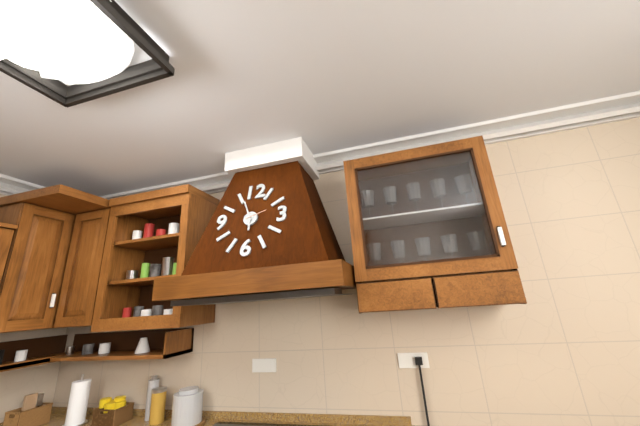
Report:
5:56
